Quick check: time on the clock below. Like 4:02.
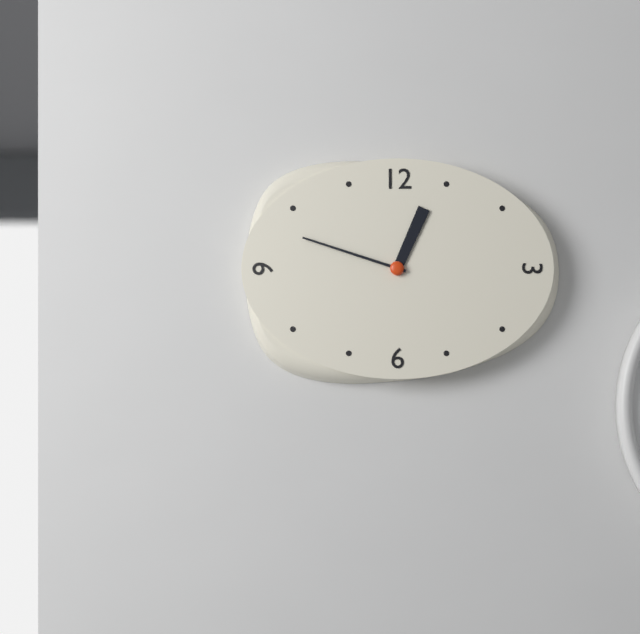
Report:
12:48
